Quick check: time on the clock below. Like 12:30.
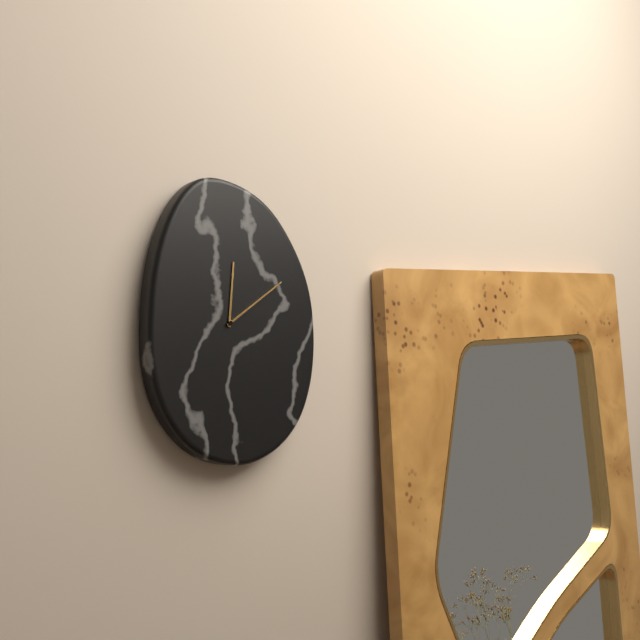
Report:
12:09
